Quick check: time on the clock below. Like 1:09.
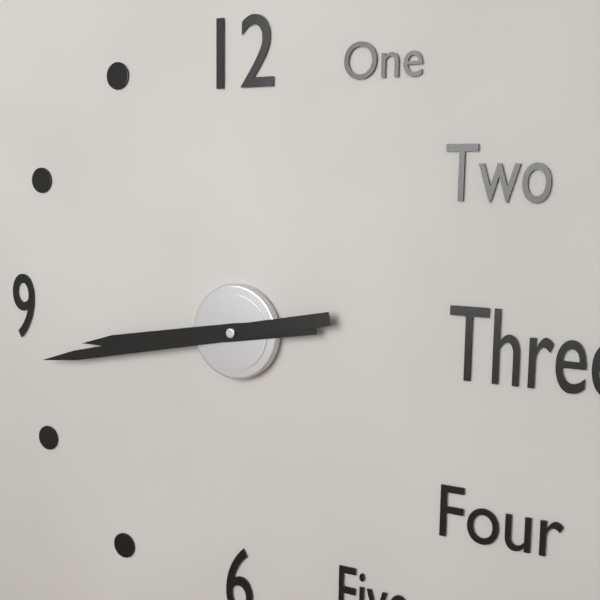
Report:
8:43
